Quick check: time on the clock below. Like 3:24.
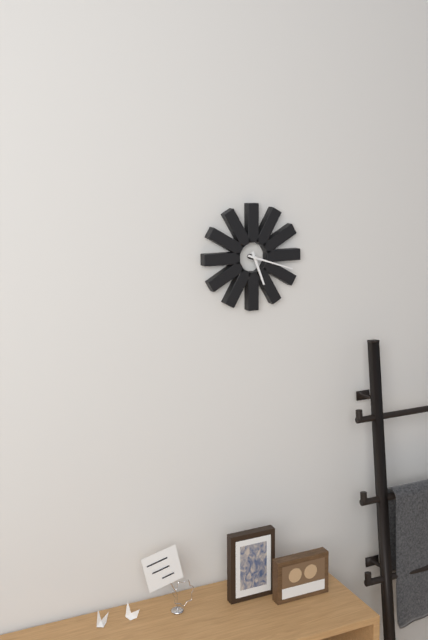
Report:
5:18
